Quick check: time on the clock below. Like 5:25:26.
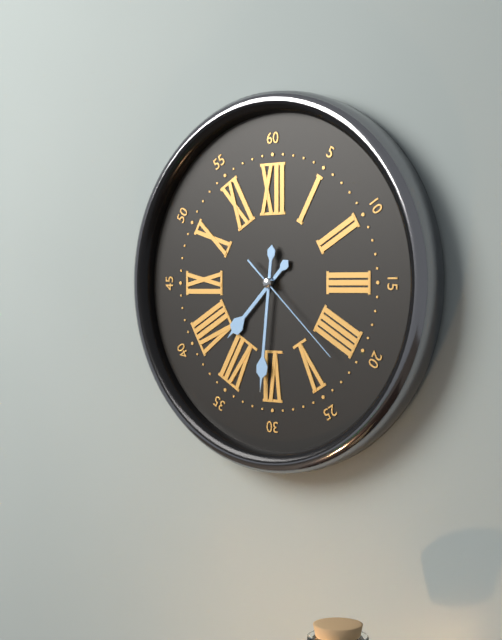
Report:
7:31:22
